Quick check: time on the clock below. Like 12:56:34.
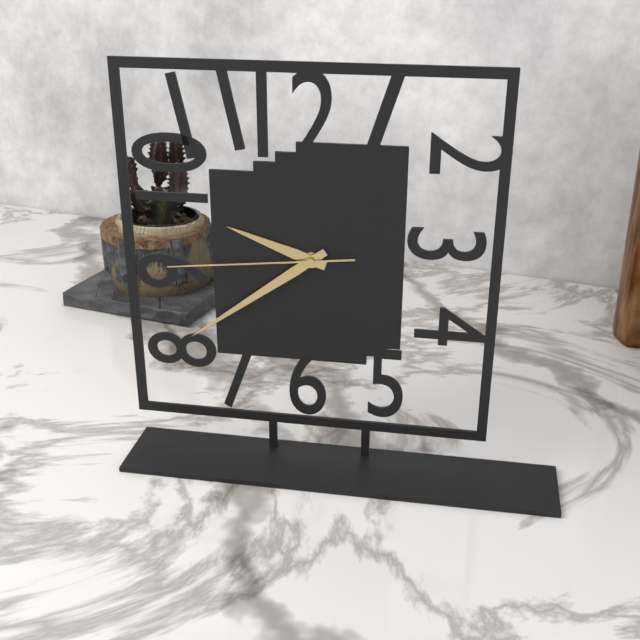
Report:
9:39:44
